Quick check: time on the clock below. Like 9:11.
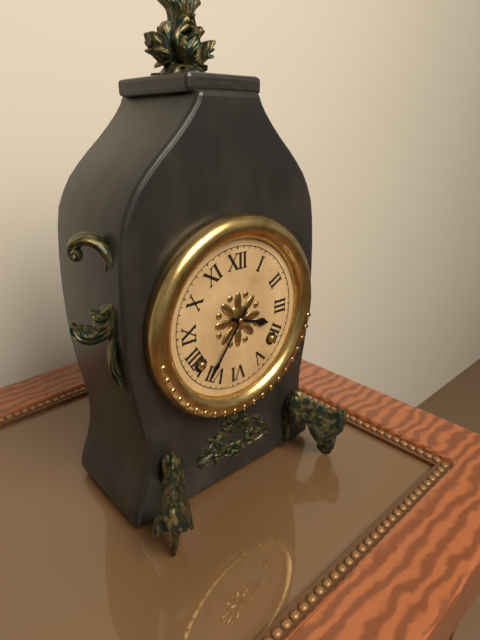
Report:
3:36
